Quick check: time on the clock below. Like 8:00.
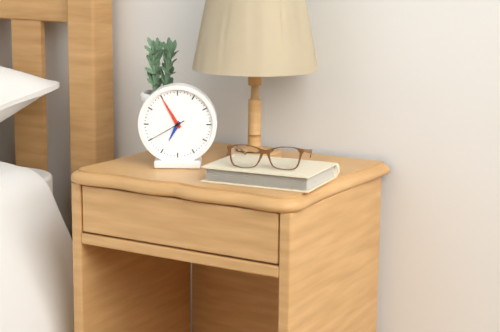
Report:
6:55
